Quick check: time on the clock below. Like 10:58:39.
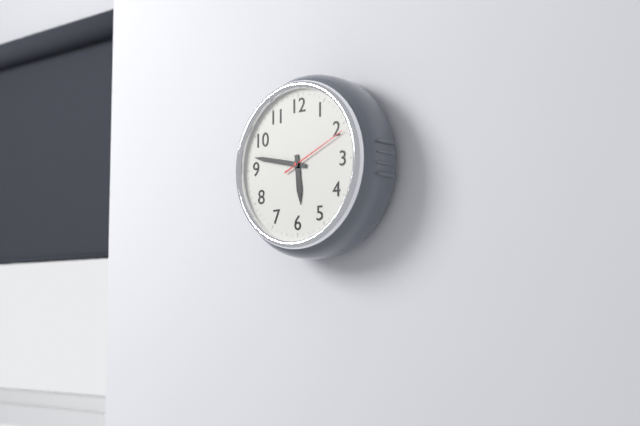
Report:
5:47:11
